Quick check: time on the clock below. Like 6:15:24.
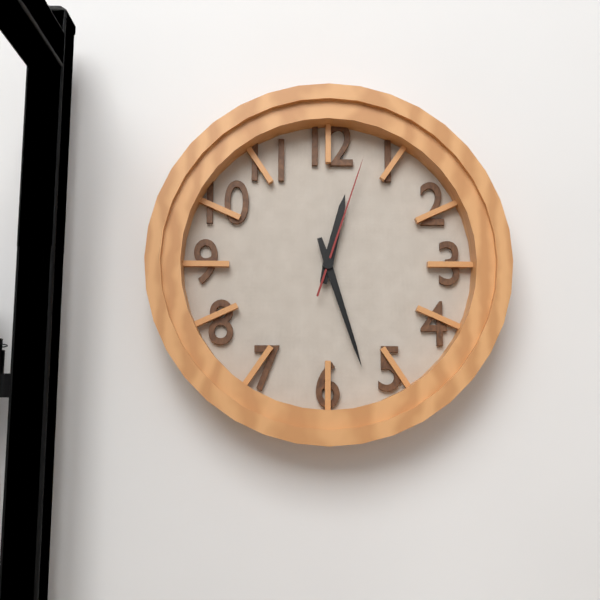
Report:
12:27:03
